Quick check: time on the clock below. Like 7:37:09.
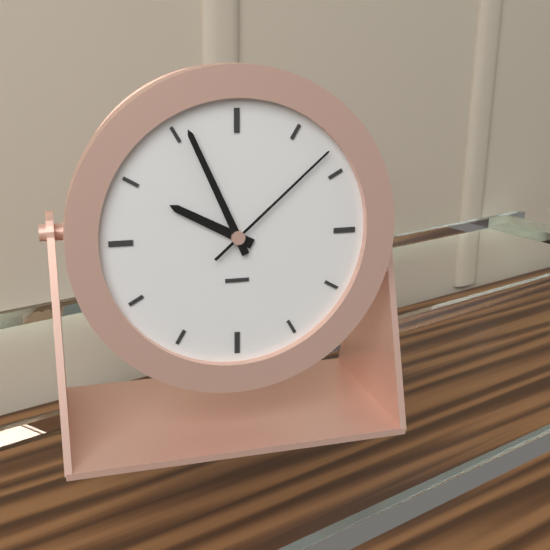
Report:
9:56:08
